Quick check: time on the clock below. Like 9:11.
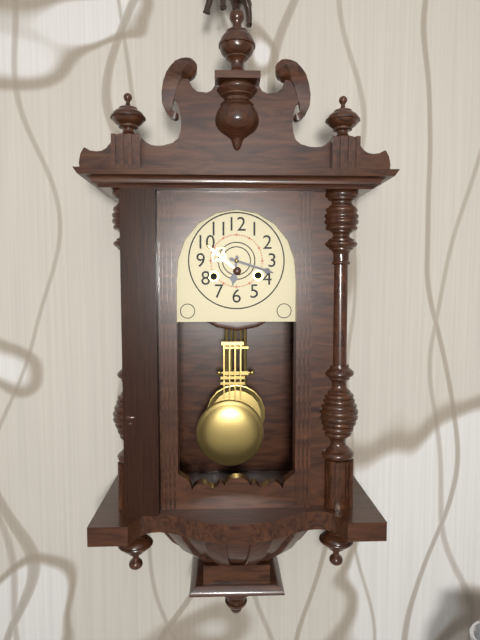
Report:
6:18
